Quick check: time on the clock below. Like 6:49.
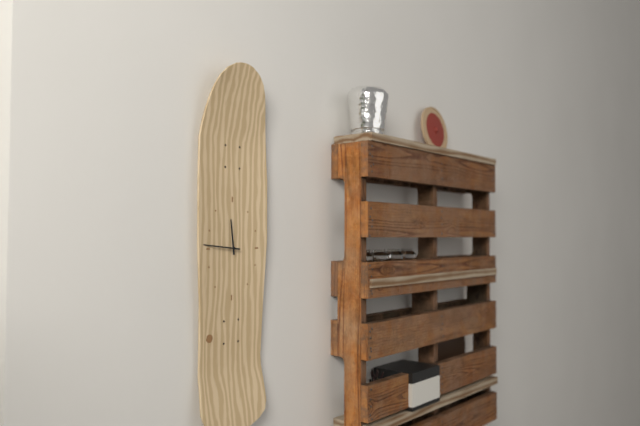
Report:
11:46
